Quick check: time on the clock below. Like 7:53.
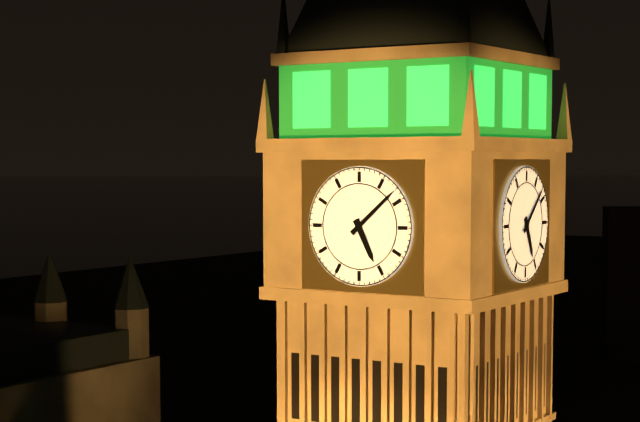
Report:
5:08
